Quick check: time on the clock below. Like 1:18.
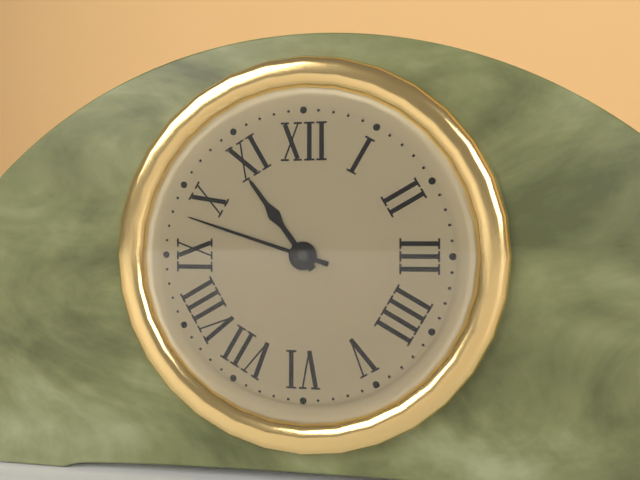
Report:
10:48
